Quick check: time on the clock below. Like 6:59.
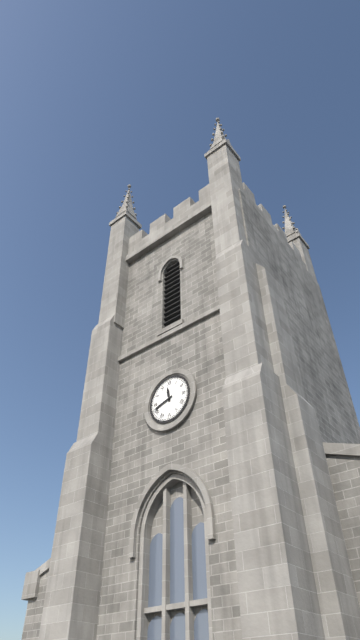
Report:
11:42
